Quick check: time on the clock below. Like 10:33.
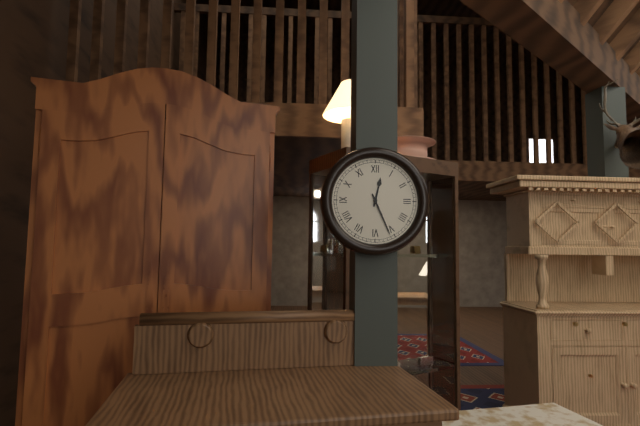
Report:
12:26
